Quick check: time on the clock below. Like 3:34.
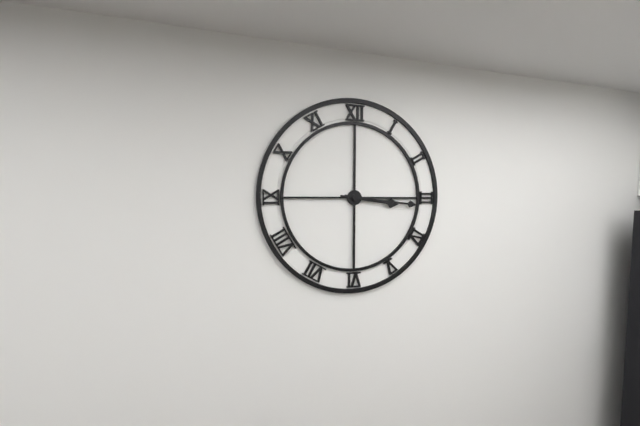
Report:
3:16
